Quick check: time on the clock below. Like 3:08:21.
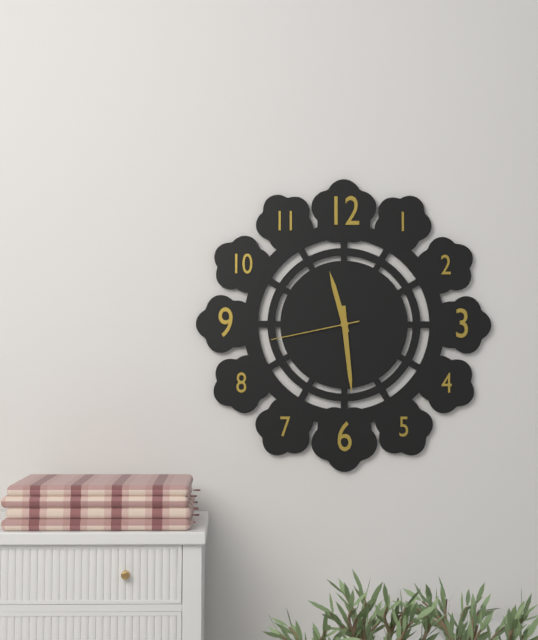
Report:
11:29:43
